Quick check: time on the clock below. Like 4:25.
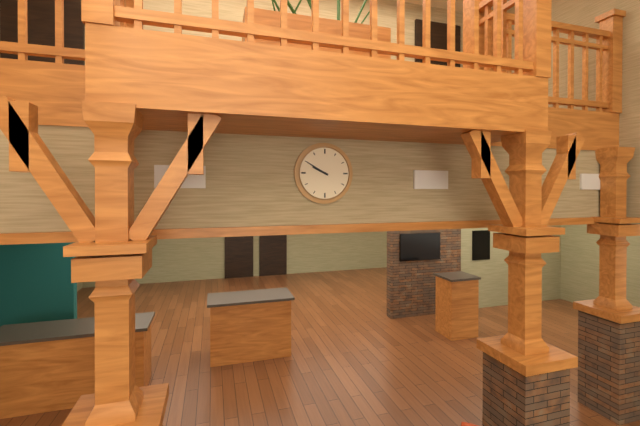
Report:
9:50
